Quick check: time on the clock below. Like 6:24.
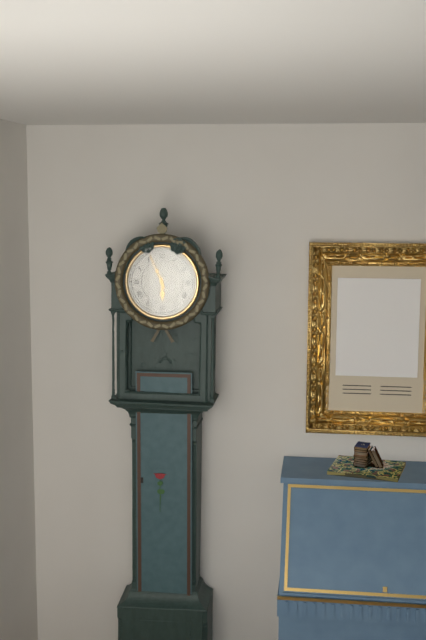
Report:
5:56
